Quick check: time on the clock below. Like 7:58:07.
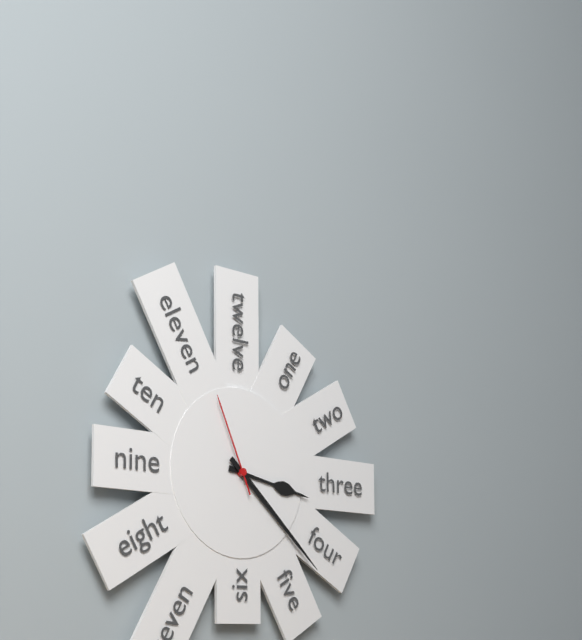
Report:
3:22:56
